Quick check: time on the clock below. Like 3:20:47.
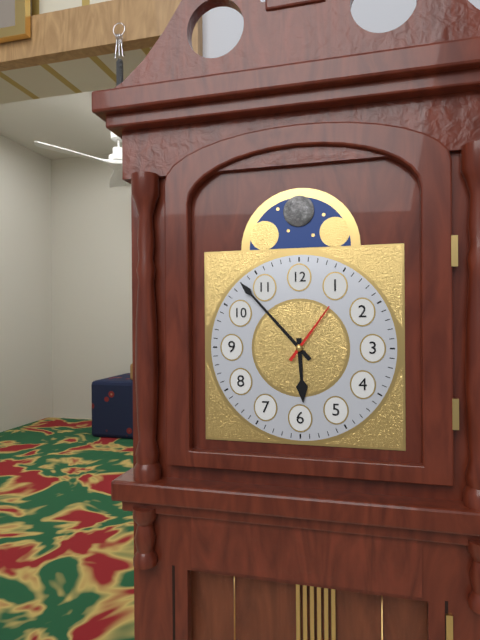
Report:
5:53:06
